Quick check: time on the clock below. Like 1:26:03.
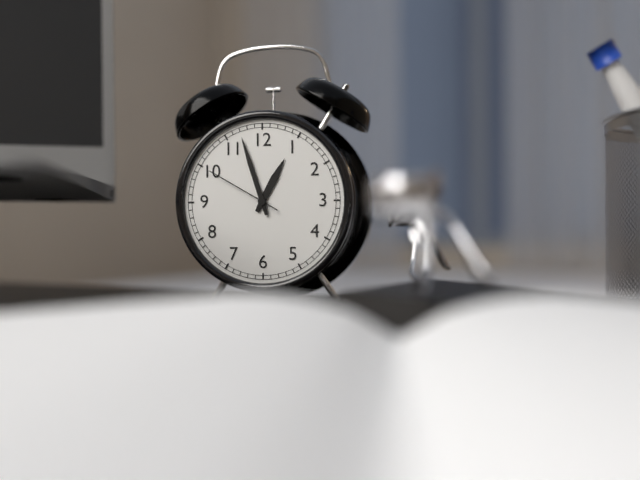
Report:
12:57:50
